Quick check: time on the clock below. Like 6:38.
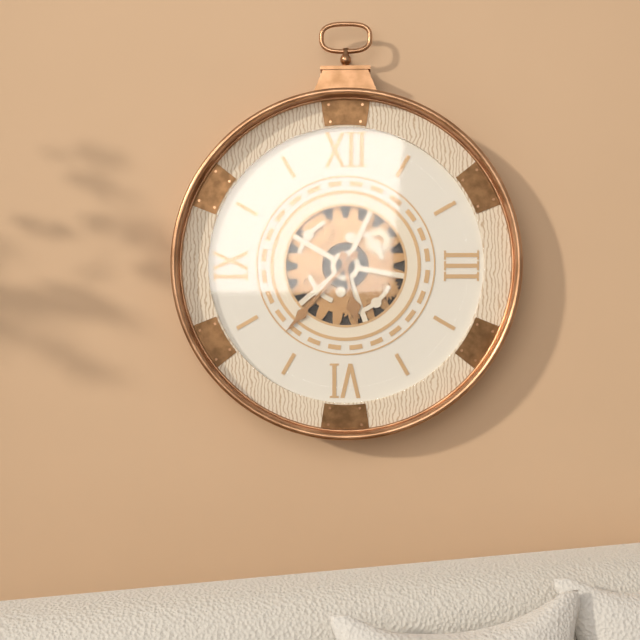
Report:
5:37
